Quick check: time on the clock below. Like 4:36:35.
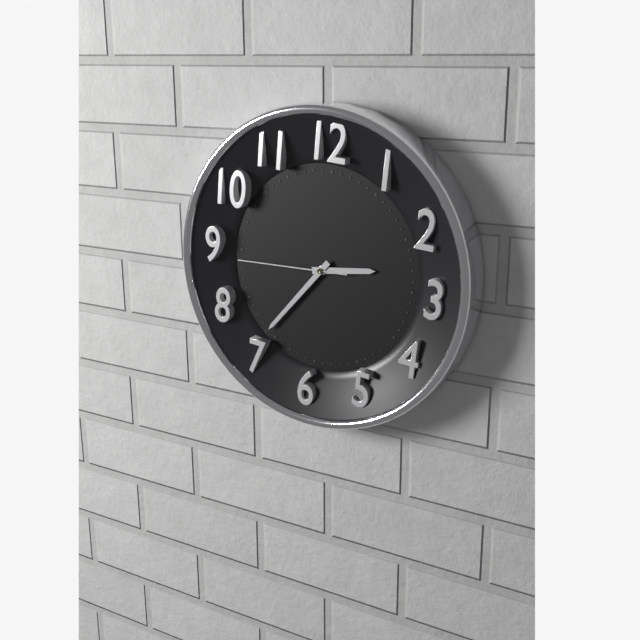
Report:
2:36:44
